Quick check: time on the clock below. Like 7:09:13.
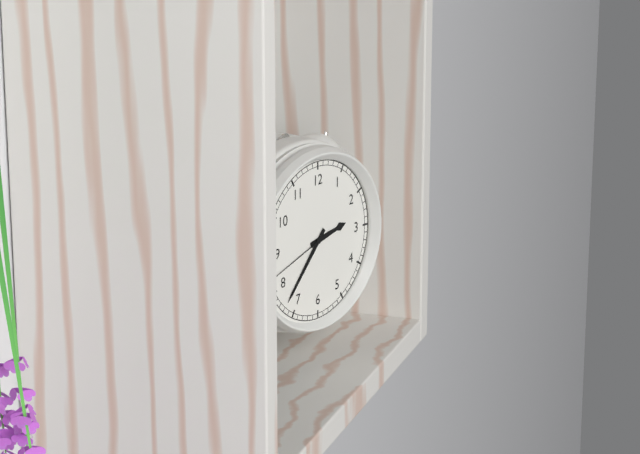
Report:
2:37:42
